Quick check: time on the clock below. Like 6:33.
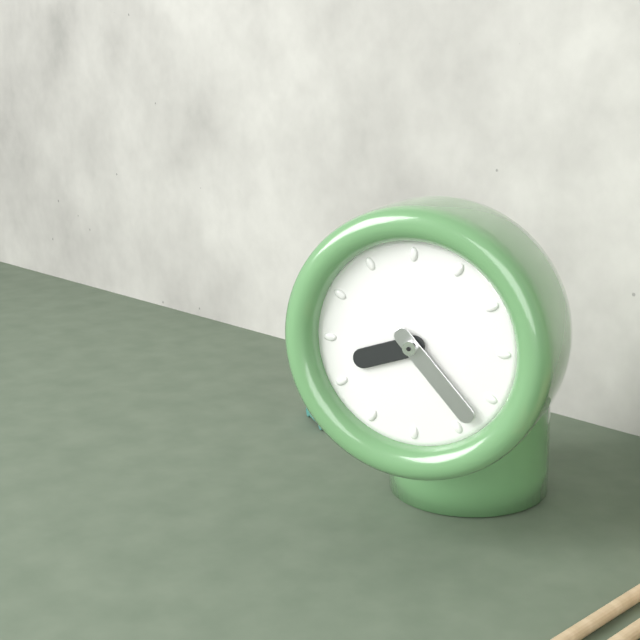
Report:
8:23
